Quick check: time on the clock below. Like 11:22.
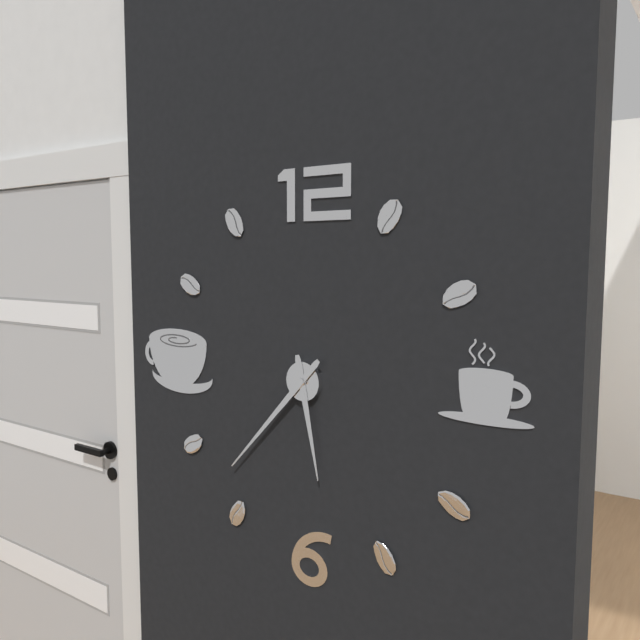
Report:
5:37
